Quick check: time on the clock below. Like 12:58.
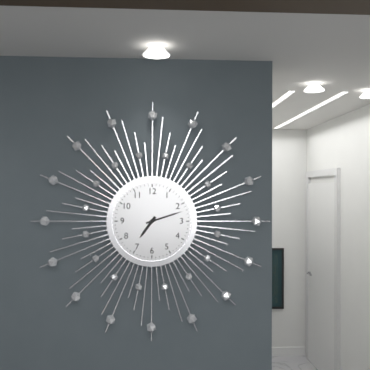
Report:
7:12
